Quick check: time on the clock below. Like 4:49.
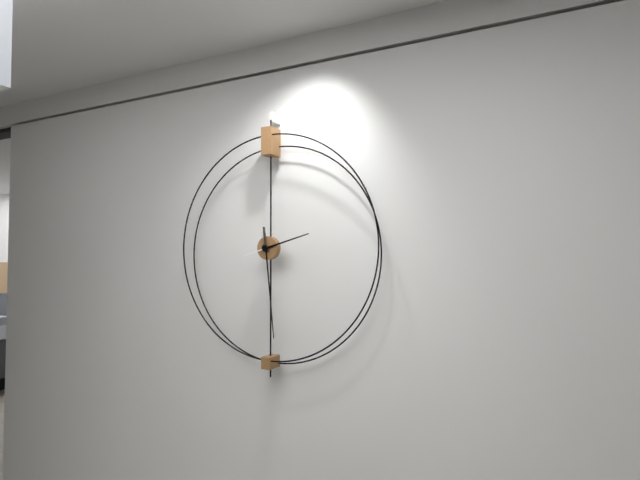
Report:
2:29
